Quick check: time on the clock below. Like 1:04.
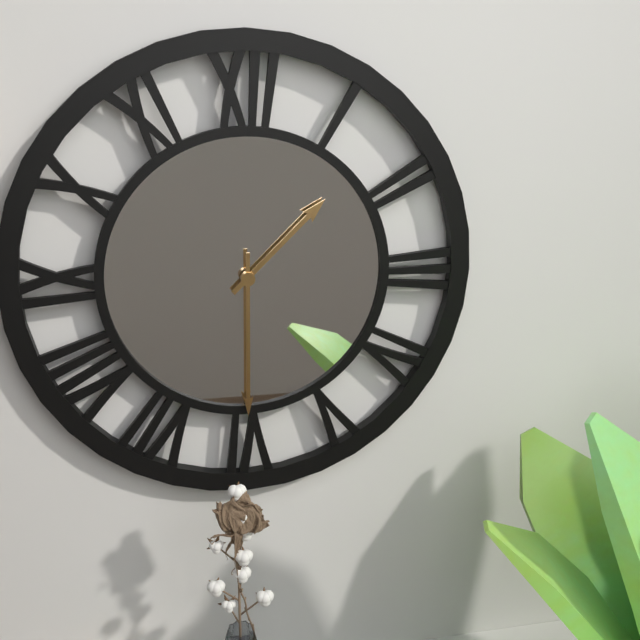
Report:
1:30
